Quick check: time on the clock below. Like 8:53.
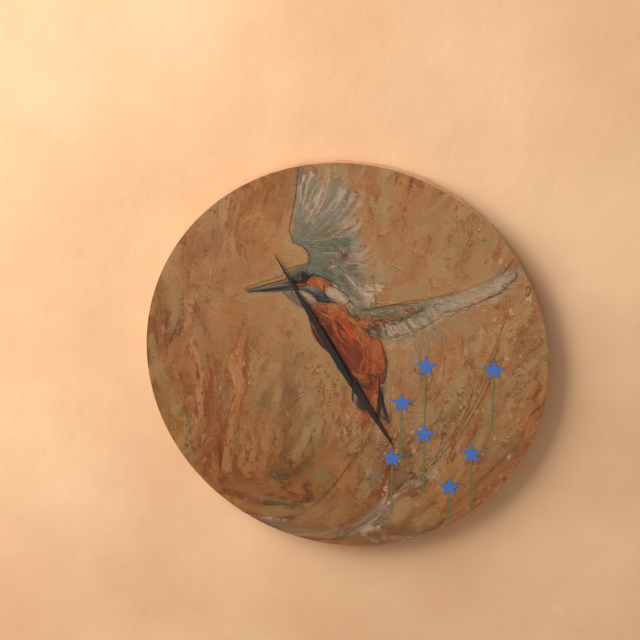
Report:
4:55
